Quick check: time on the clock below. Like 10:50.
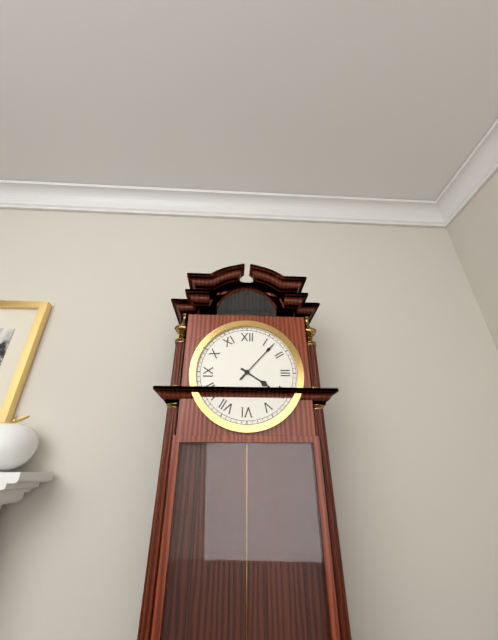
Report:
4:07
